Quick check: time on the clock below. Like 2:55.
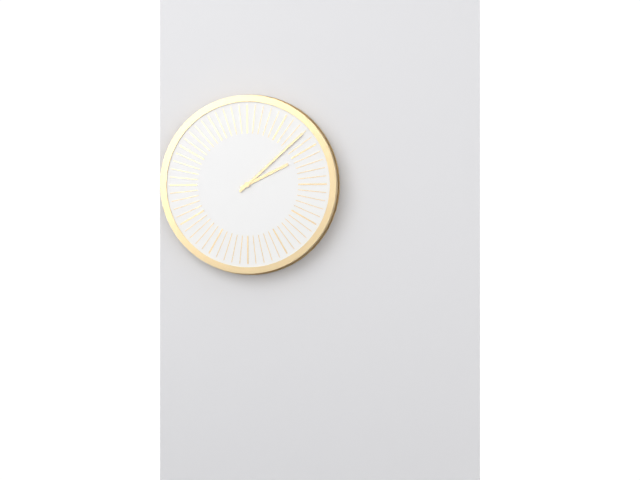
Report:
2:08
